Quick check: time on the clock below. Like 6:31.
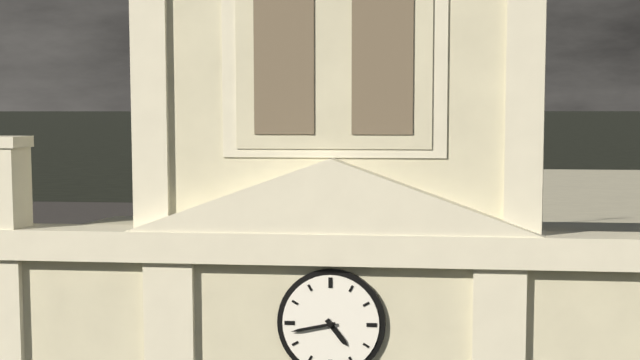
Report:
4:43
